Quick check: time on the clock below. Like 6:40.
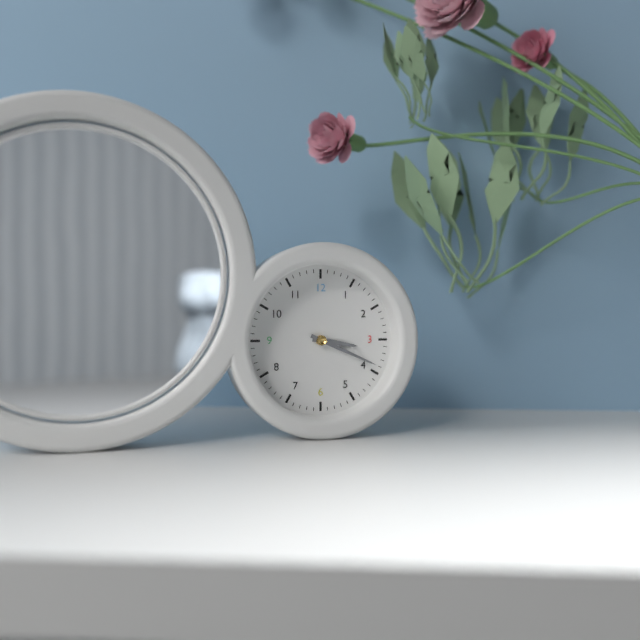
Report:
3:19
